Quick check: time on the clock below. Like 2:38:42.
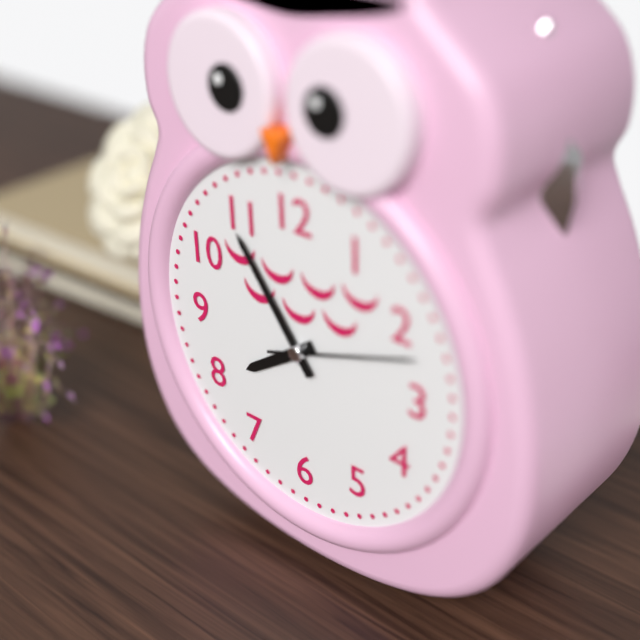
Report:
7:54:12
